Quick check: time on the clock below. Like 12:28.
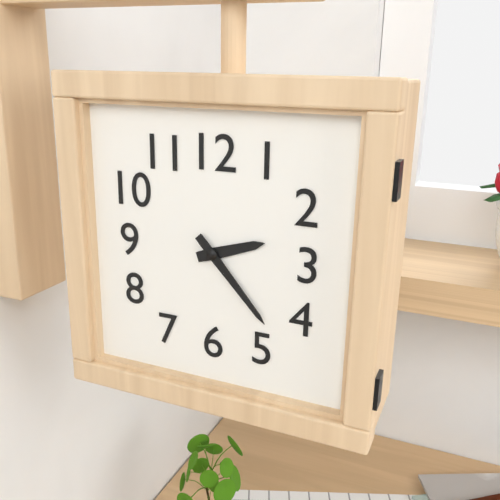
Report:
2:23
